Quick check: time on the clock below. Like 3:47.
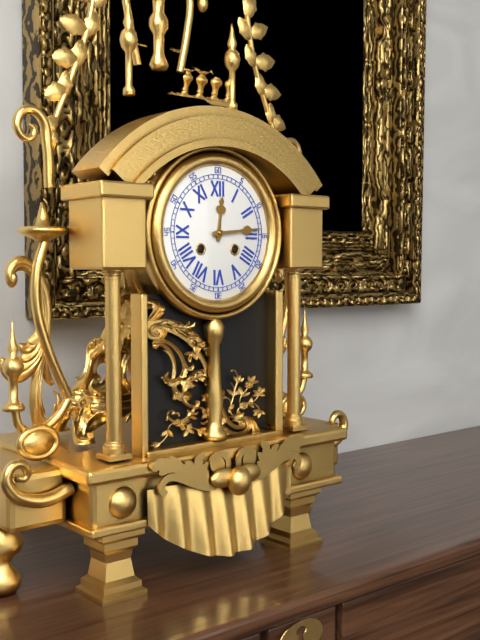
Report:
12:14
